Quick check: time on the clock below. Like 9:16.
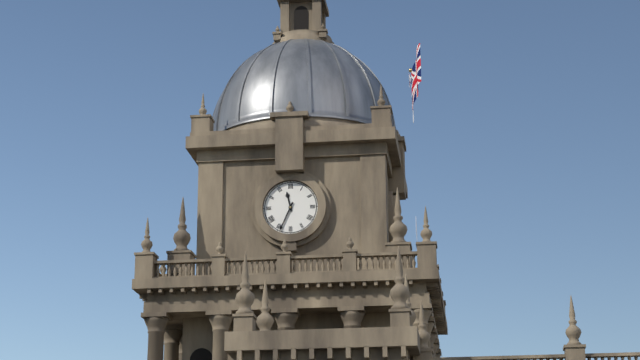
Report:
11:34
